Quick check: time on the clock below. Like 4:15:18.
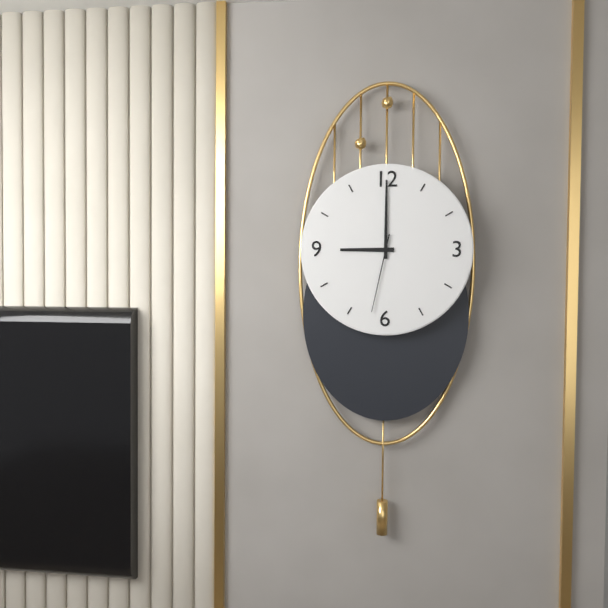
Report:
9:00:32
